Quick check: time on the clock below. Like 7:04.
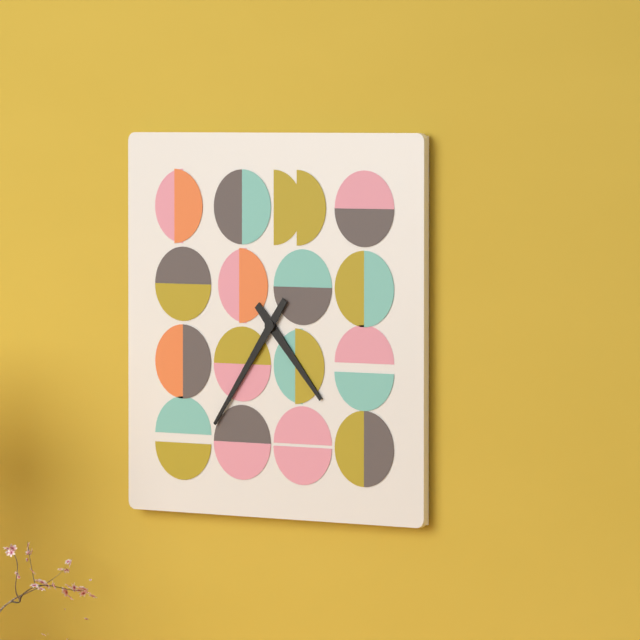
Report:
4:36
